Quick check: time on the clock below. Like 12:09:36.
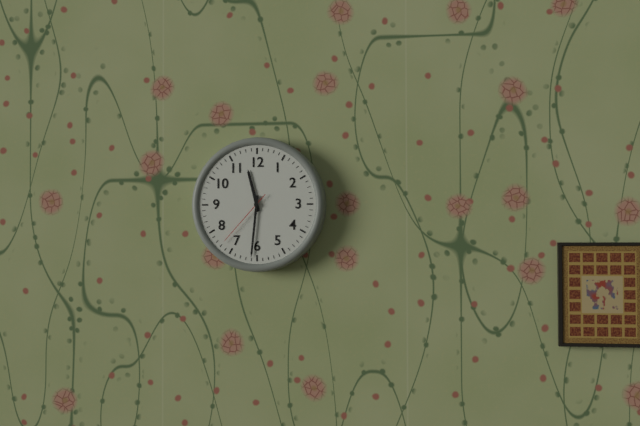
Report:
11:31:37
